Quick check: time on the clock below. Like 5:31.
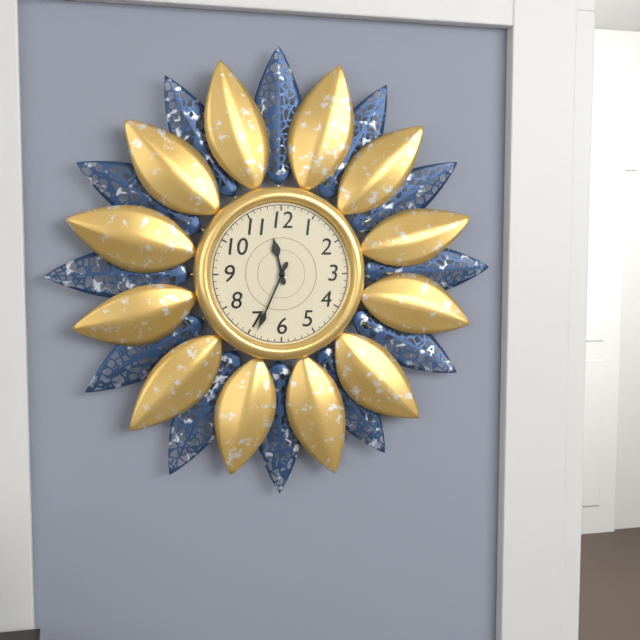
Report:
11:34
